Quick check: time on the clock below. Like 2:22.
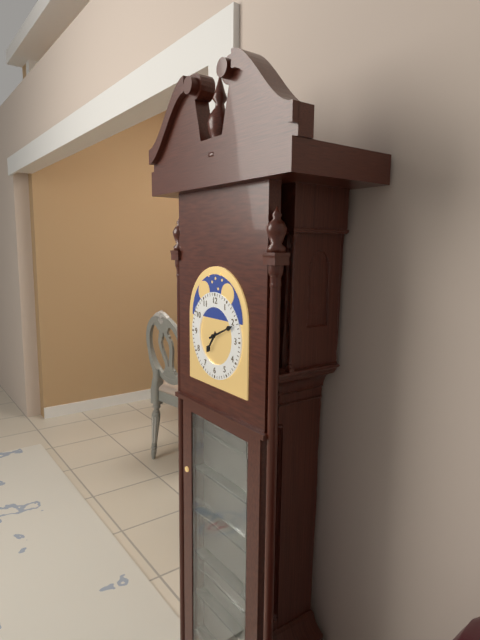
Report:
7:11
